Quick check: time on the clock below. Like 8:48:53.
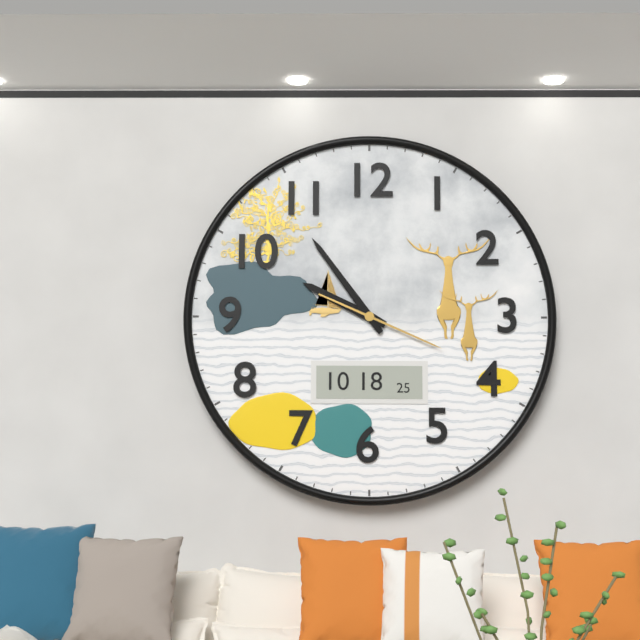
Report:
9:54:19
